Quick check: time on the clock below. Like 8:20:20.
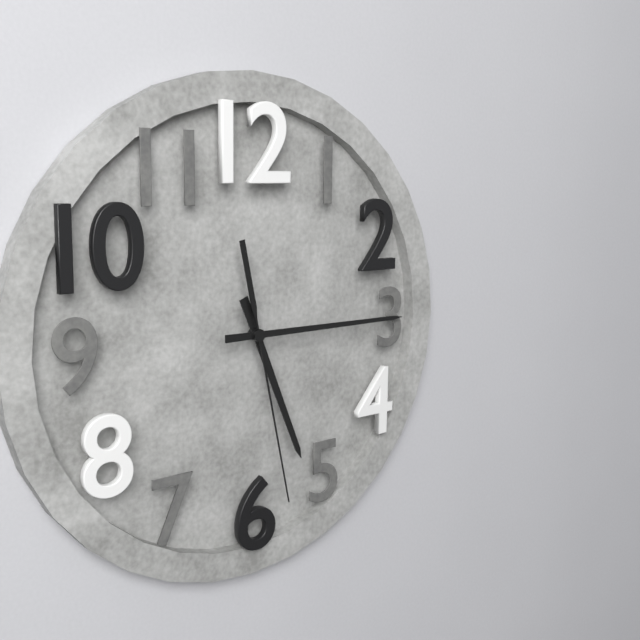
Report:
5:15:28
